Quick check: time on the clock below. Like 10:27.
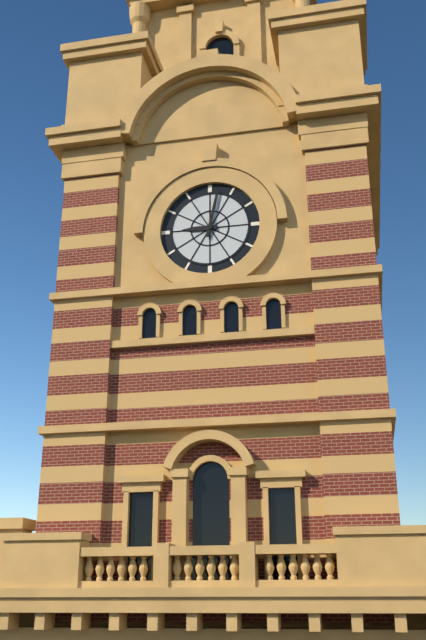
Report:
9:02
